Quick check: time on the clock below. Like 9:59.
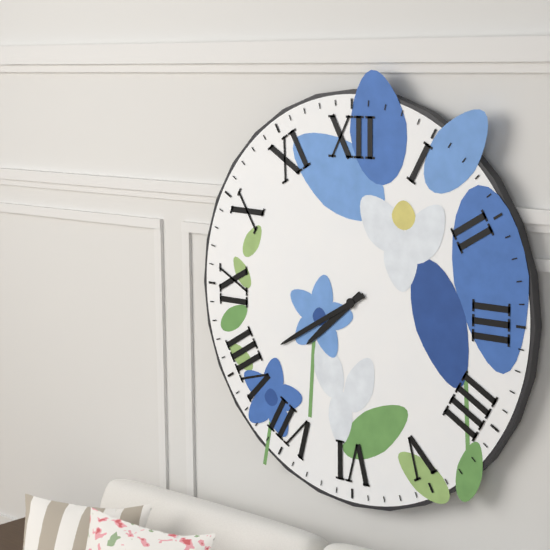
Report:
7:40
